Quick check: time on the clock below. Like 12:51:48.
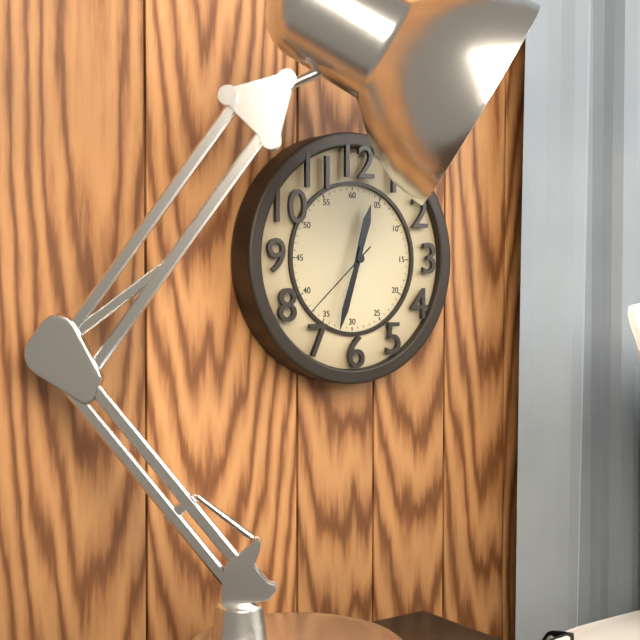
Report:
12:33:38
